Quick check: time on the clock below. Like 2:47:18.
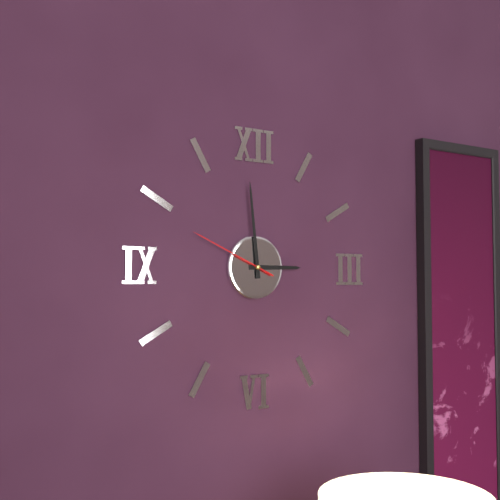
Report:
2:59:49
